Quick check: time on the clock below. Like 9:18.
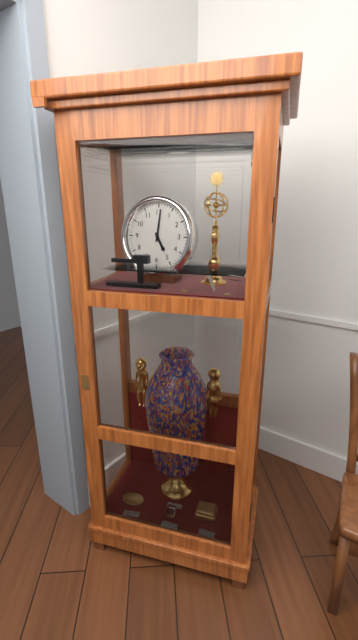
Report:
5:01
